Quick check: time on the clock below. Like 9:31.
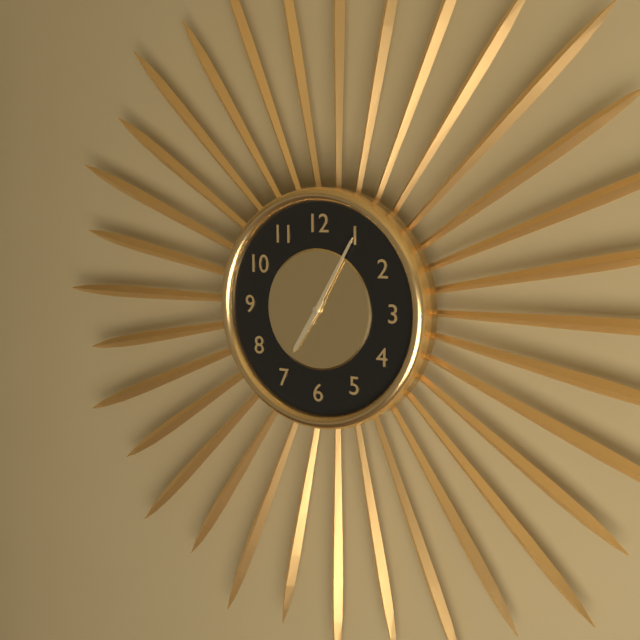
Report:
7:05
